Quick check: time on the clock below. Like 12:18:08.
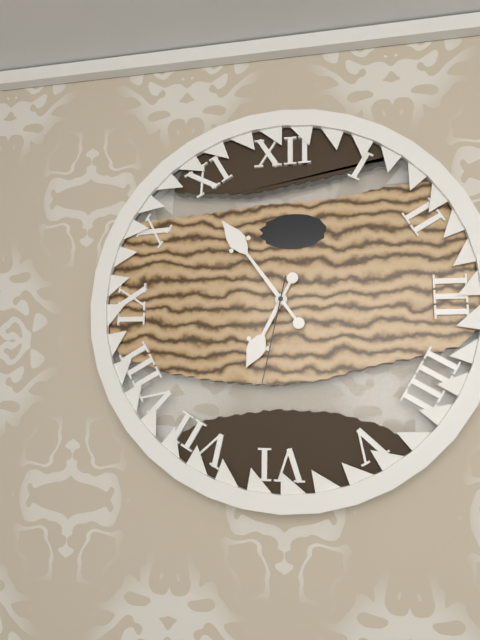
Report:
6:54:32
